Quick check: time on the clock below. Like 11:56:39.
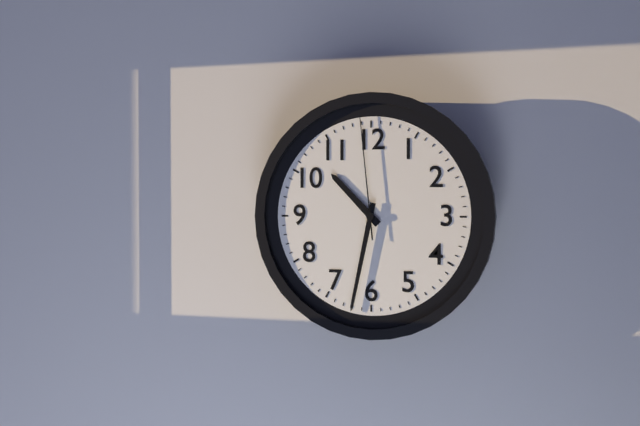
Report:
10:32:59
